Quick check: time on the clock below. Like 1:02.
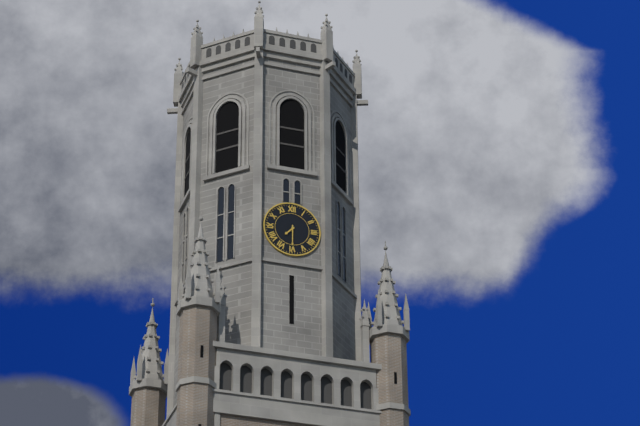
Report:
7:30
